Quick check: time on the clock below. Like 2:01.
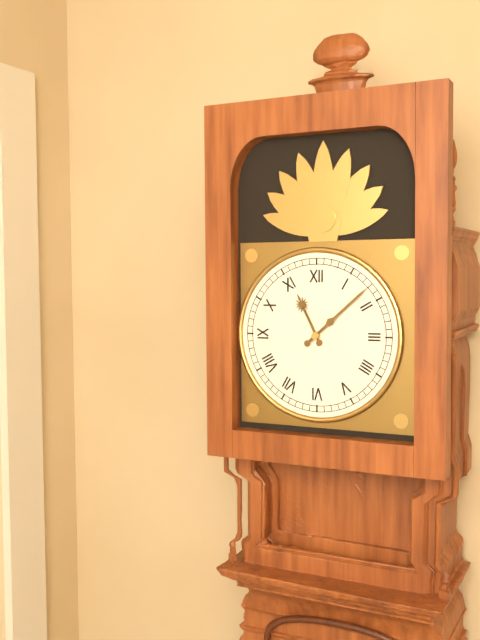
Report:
11:08
